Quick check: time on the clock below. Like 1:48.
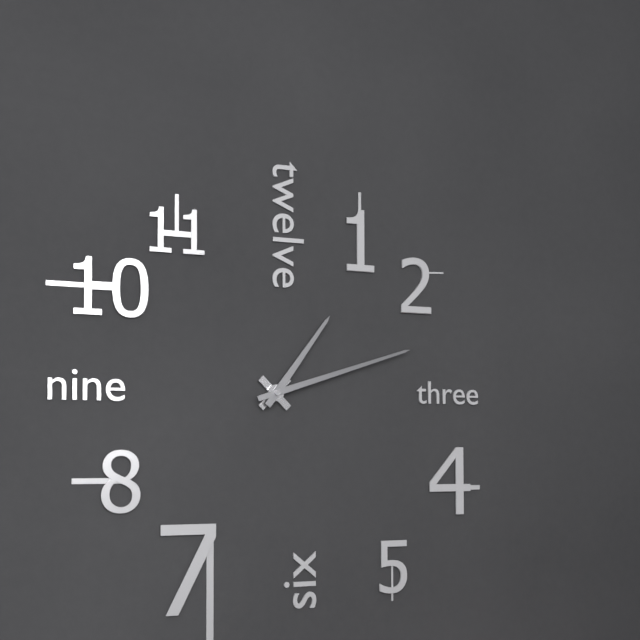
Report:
1:12
